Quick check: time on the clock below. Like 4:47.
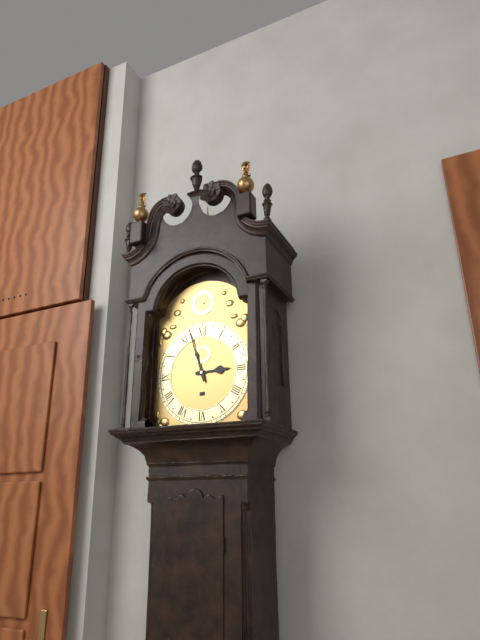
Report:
2:57
